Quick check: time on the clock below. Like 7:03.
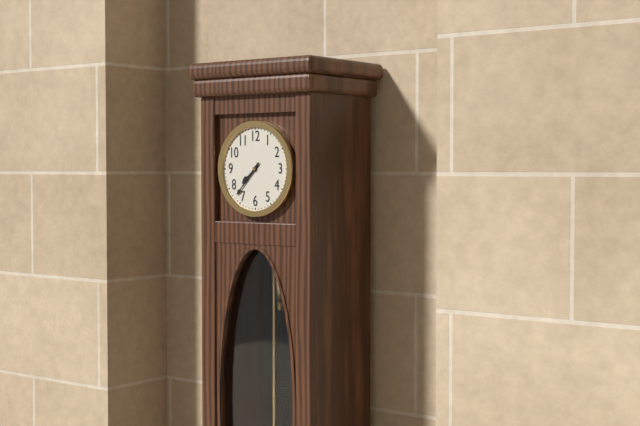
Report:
7:37
